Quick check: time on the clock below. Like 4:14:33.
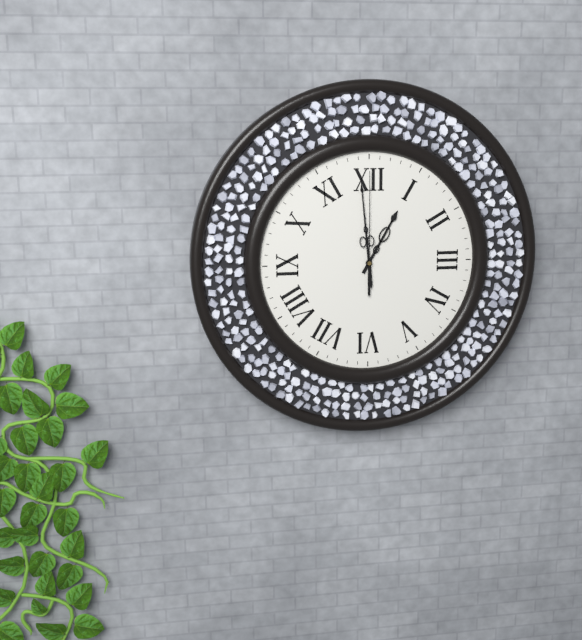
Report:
12:59:00
